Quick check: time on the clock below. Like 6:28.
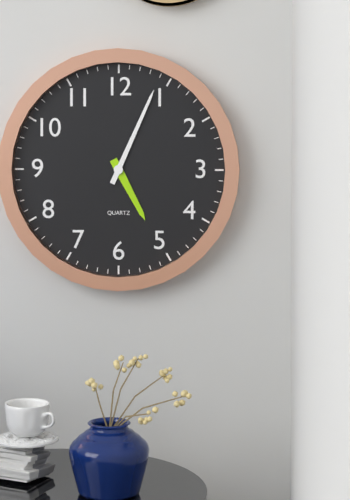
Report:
5:04
